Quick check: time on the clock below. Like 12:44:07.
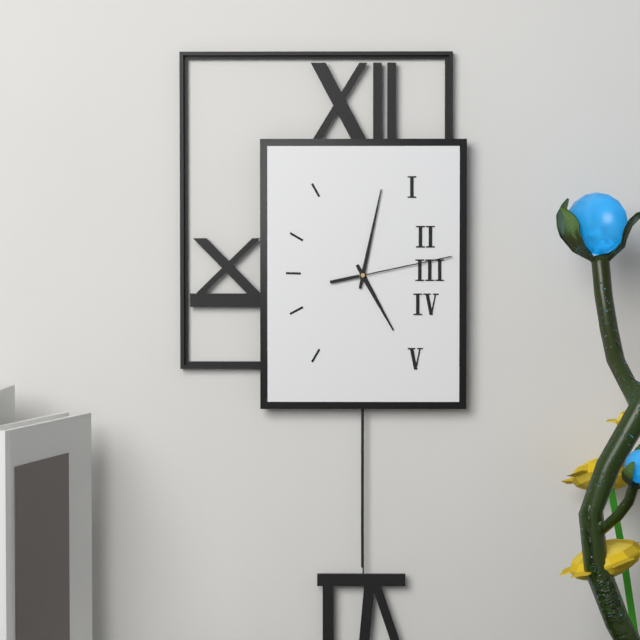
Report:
5:02:13
